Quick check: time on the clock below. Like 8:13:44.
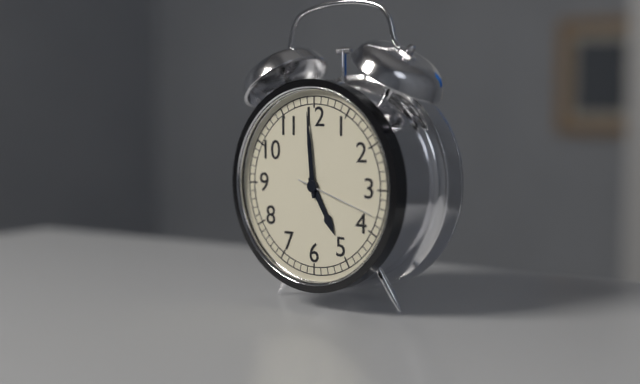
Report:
4:59:18
